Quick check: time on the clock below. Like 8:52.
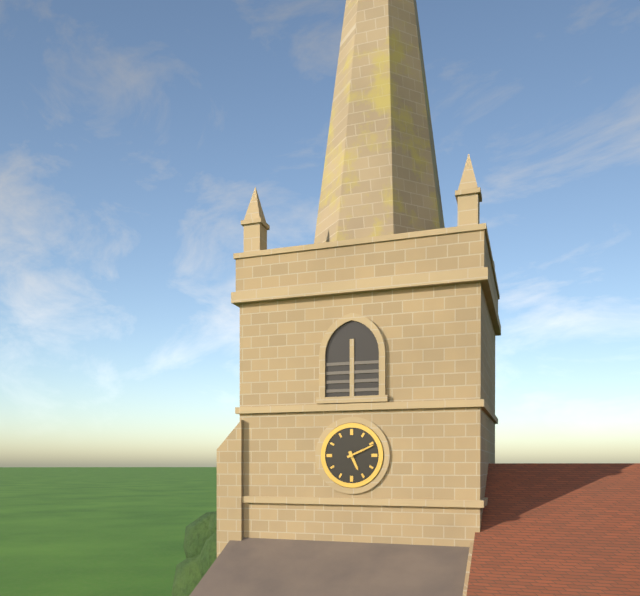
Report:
5:11
